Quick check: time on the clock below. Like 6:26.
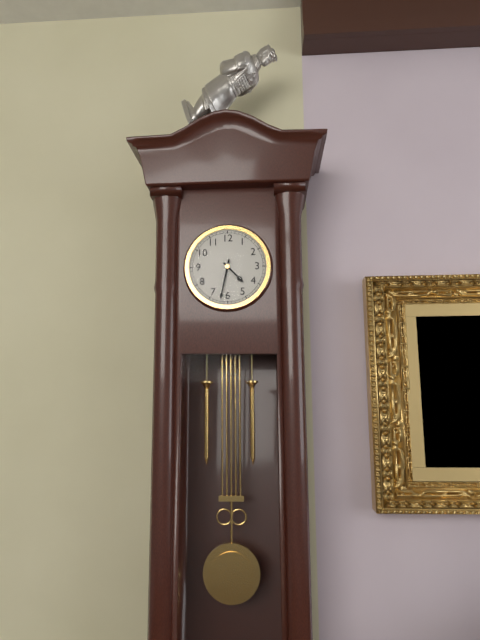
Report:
4:32
